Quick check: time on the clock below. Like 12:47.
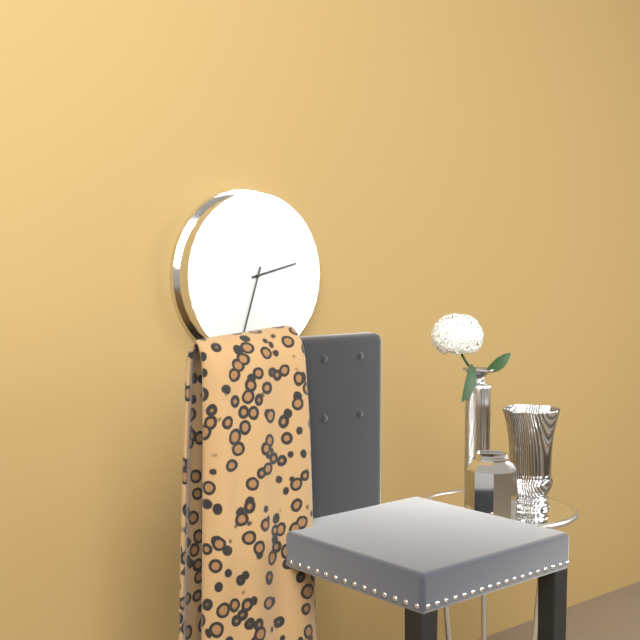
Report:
2:33
